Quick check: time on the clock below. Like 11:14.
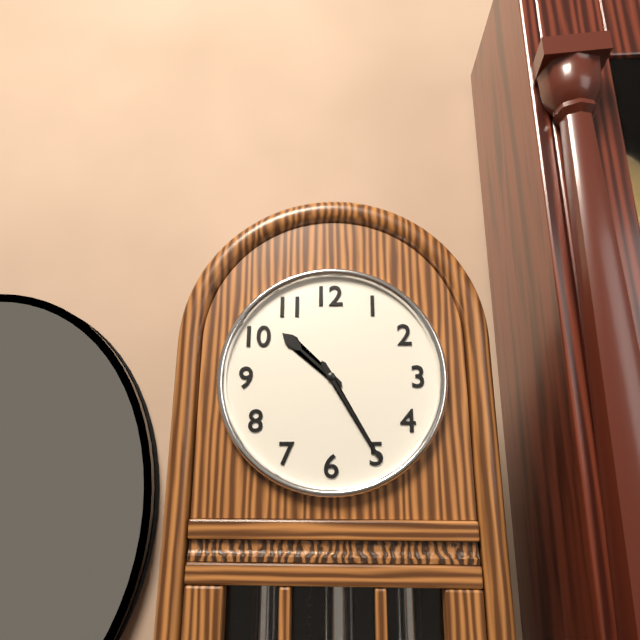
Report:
10:25
